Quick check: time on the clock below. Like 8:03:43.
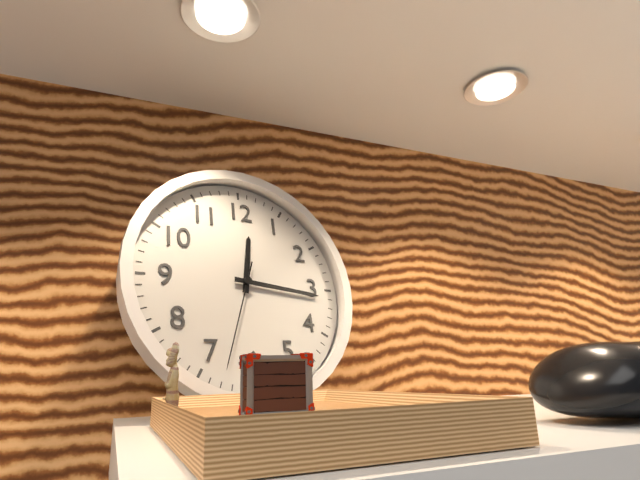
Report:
12:16:33
